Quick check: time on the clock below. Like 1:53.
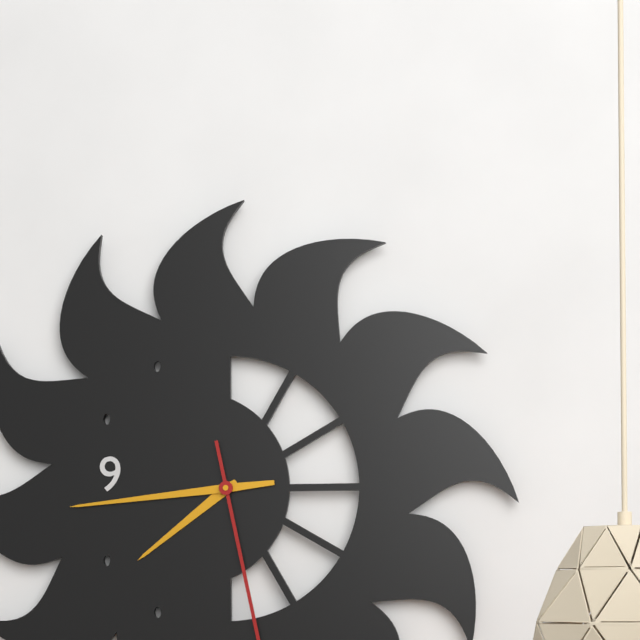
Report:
7:44
